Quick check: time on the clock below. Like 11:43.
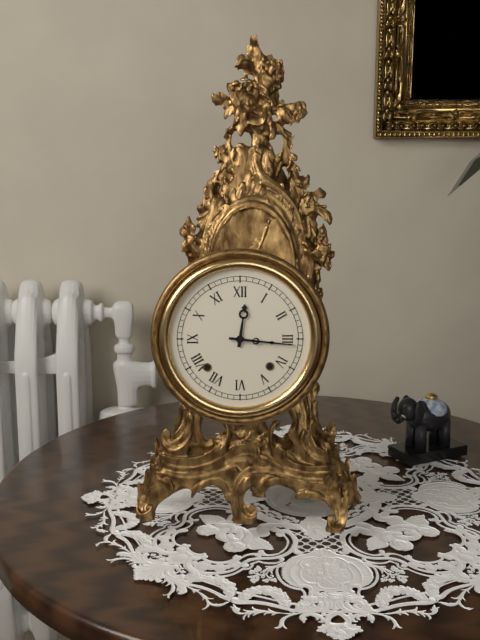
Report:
12:16
